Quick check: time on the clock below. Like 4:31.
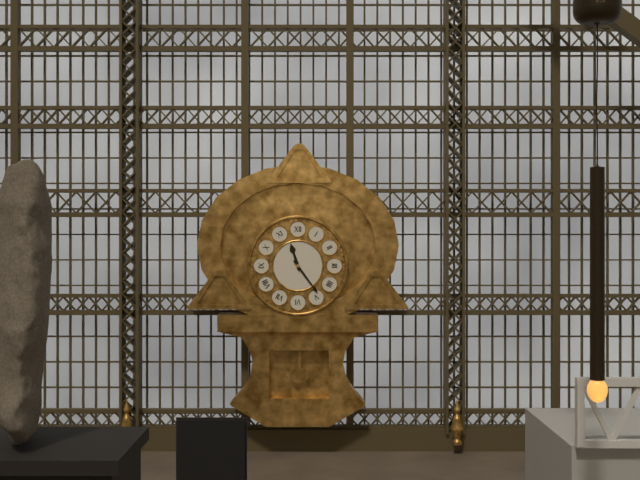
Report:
11:24
